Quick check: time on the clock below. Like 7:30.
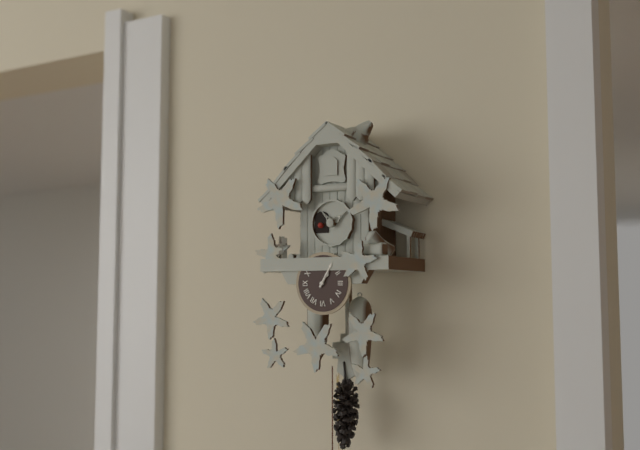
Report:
1:05
